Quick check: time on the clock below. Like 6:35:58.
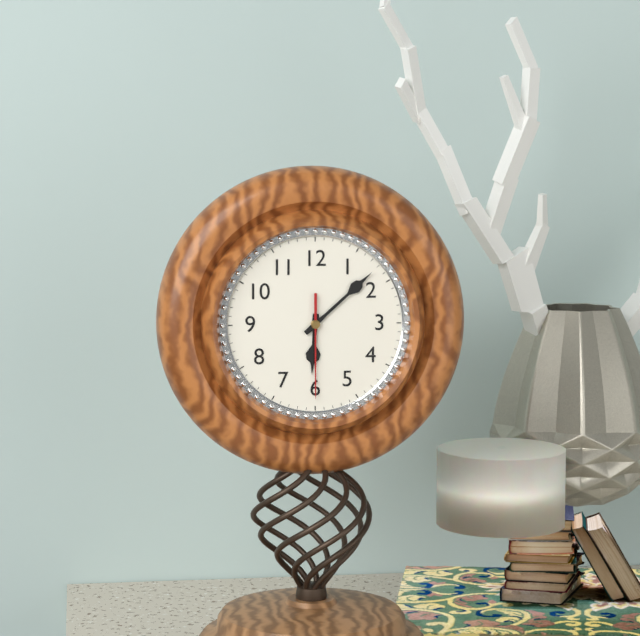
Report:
6:08:30
